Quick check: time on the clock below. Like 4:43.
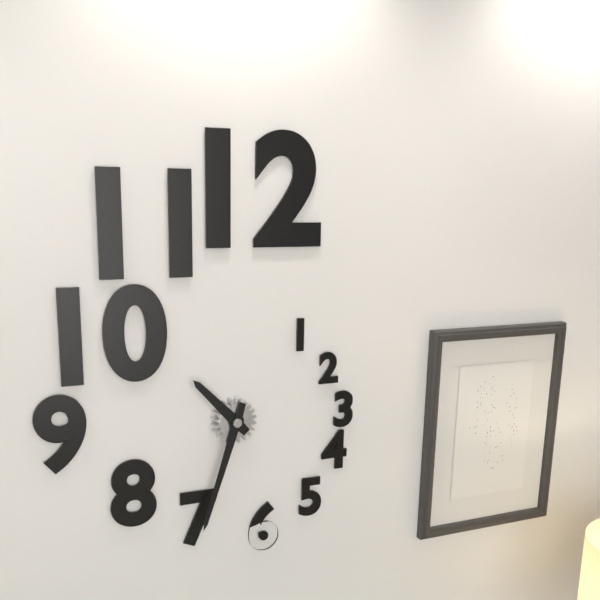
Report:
10:33
